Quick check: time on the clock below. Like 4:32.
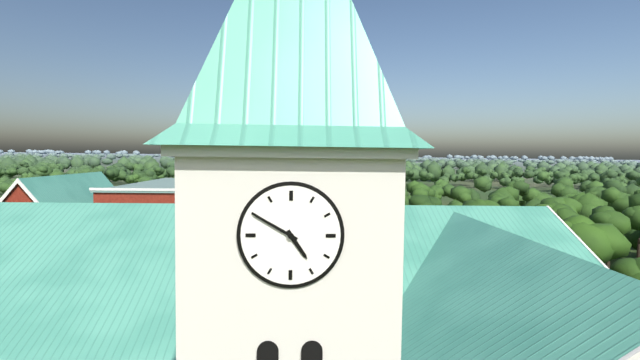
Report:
4:50
